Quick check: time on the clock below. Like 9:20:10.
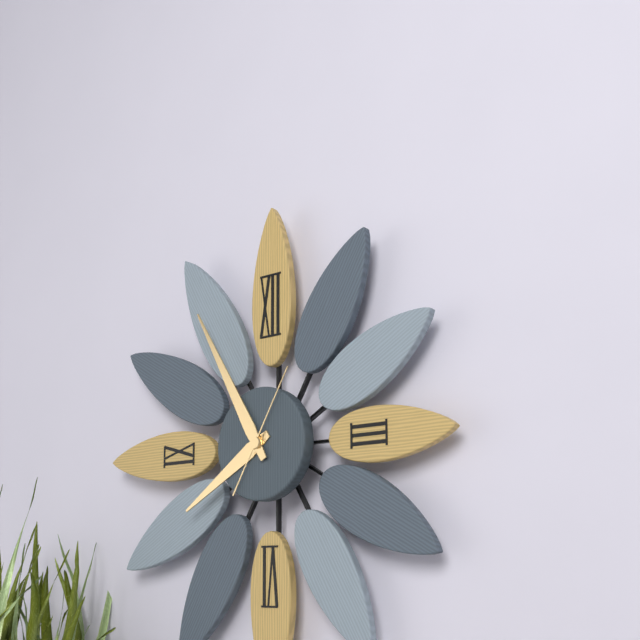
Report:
7:55:05
